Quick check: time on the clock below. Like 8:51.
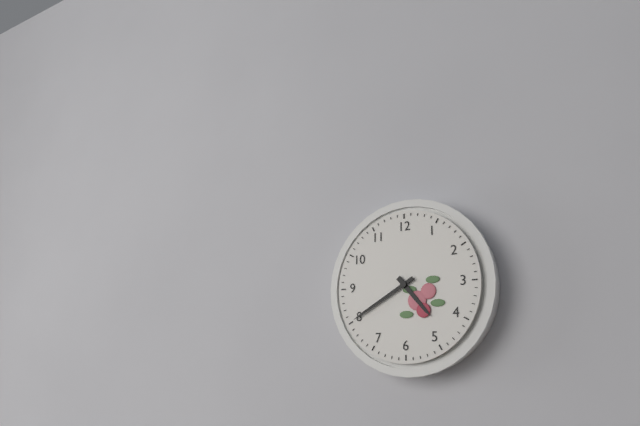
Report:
4:40
